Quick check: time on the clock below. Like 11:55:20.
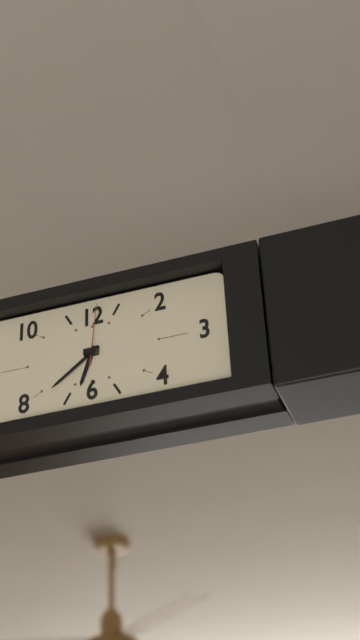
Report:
6:39:01
